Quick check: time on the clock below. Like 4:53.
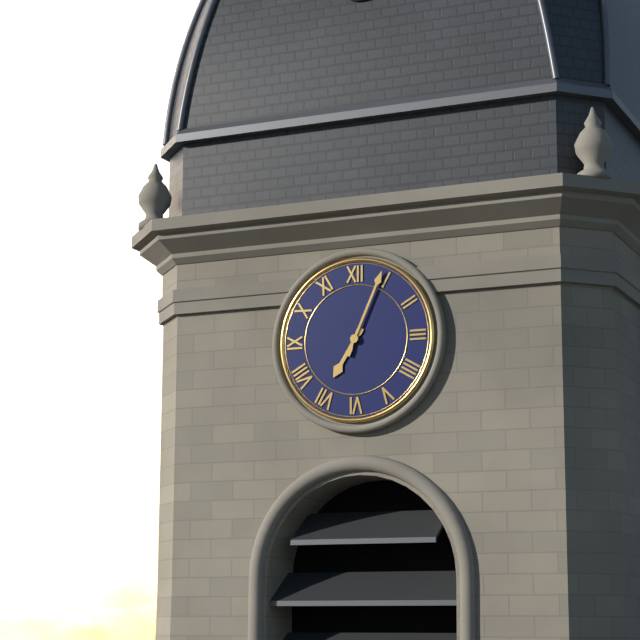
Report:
7:04
